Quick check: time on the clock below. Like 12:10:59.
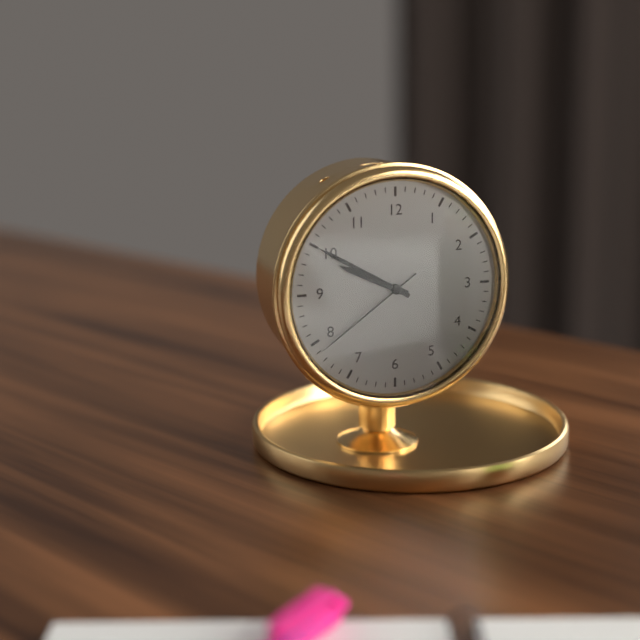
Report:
9:50:39
